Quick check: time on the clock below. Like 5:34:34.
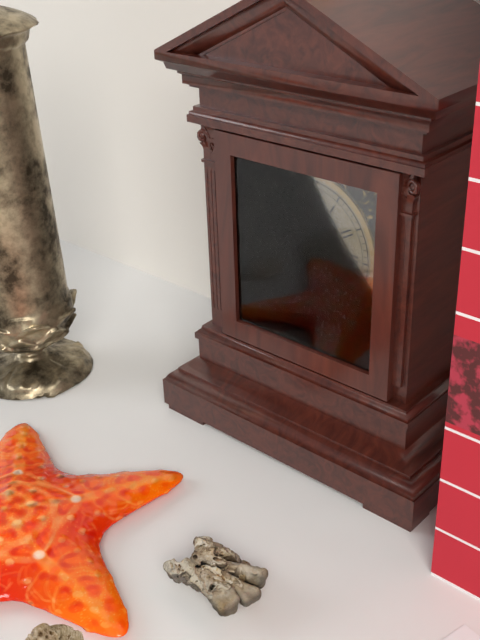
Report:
2:53:36
